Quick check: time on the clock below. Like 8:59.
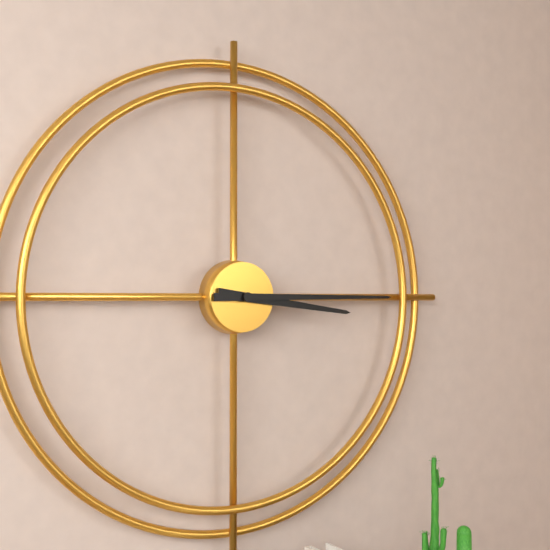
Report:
3:15
